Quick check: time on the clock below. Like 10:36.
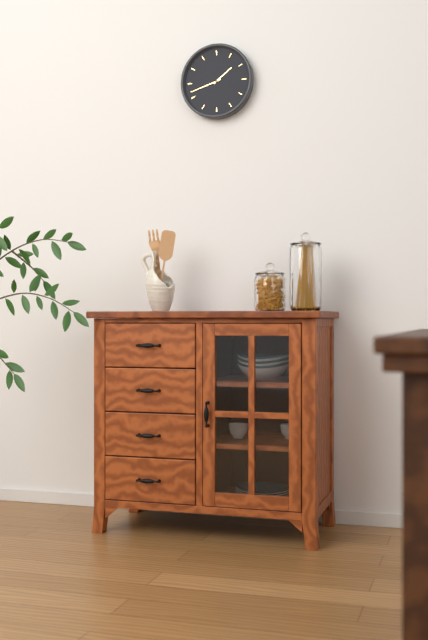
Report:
1:42
